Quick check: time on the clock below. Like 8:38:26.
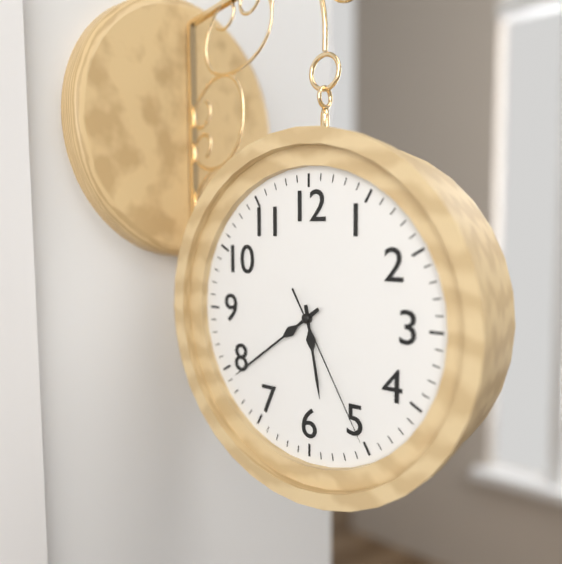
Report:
5:39:25
